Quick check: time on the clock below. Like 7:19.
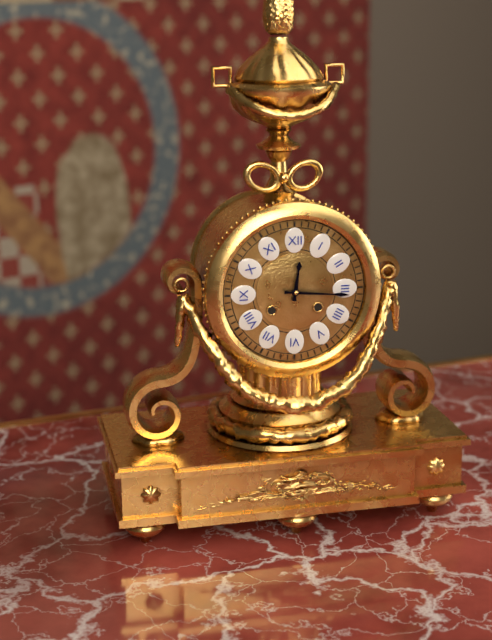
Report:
12:16
